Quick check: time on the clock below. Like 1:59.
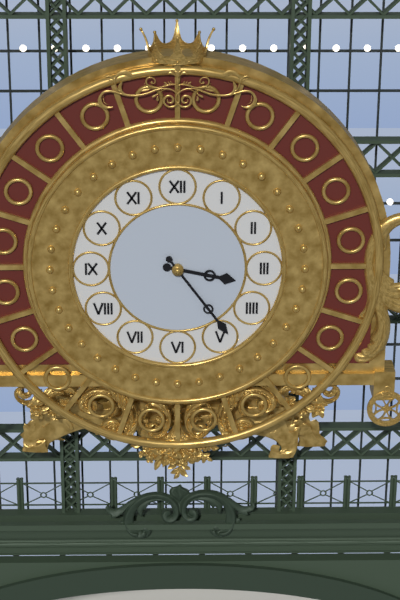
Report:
3:24
